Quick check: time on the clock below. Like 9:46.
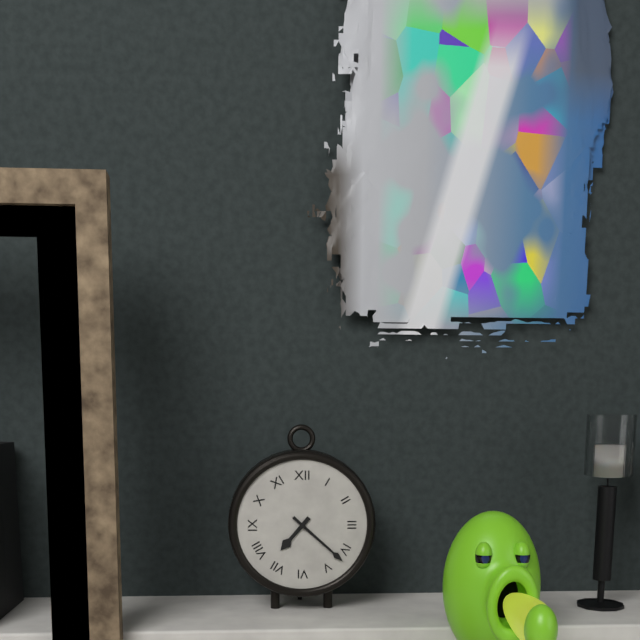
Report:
7:22
